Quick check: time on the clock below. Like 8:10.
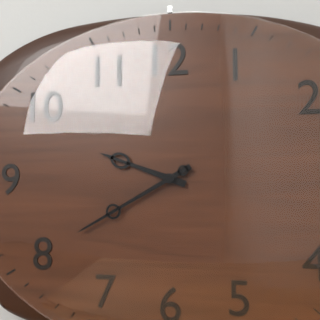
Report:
9:40
